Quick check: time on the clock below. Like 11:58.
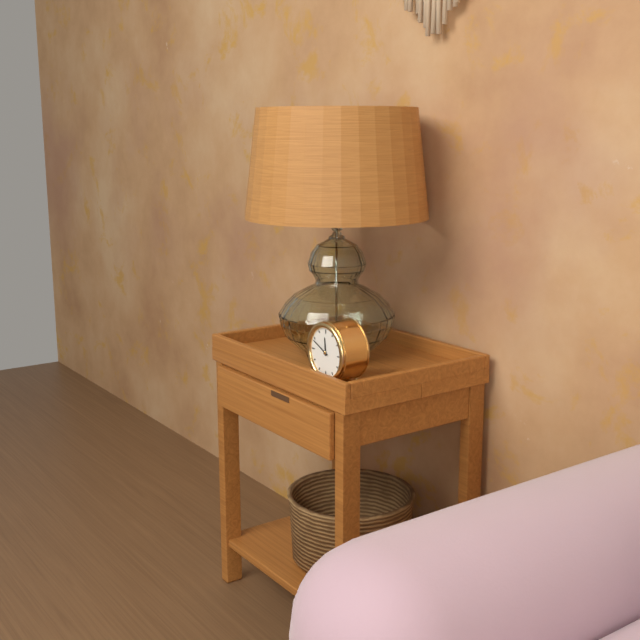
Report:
11:49
